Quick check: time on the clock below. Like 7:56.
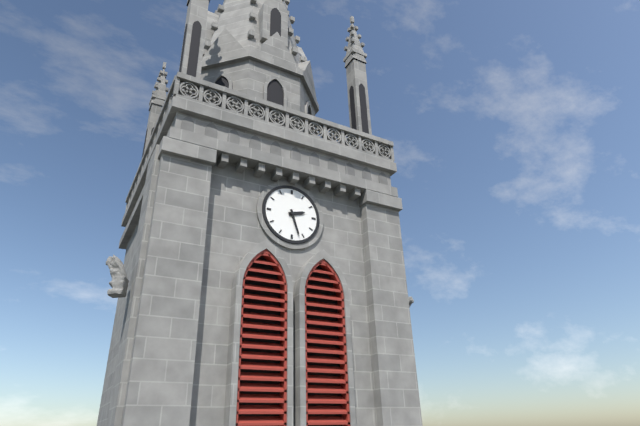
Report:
2:27
